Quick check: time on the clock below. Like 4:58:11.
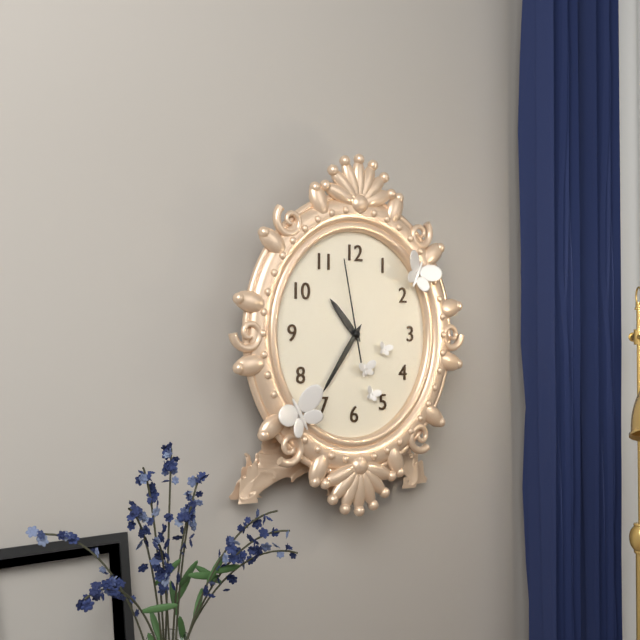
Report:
10:36:58
